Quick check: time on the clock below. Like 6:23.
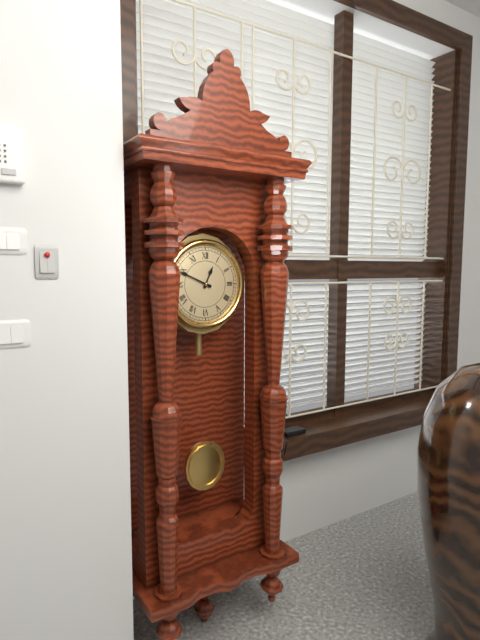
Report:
12:49
